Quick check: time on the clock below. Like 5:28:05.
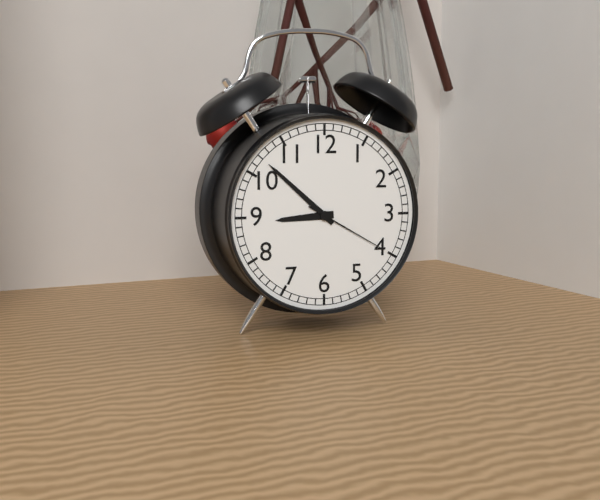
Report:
8:52:20
